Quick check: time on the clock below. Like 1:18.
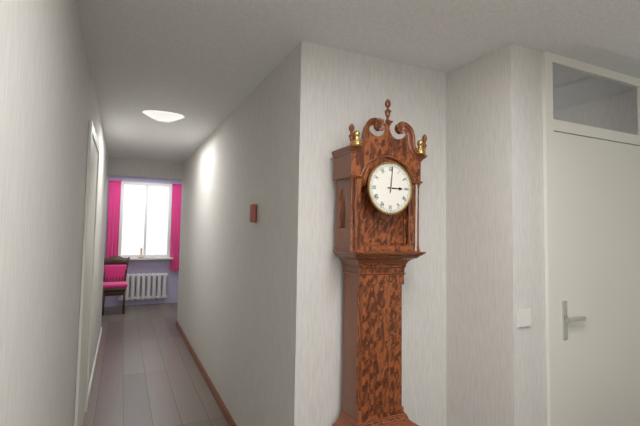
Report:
3:01
